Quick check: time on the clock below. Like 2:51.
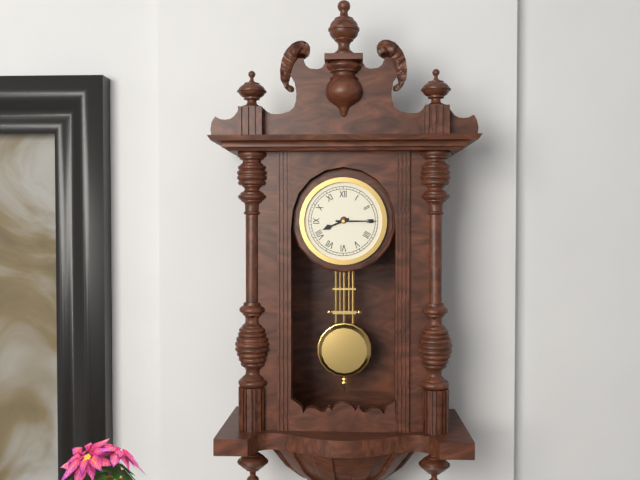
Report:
8:15
